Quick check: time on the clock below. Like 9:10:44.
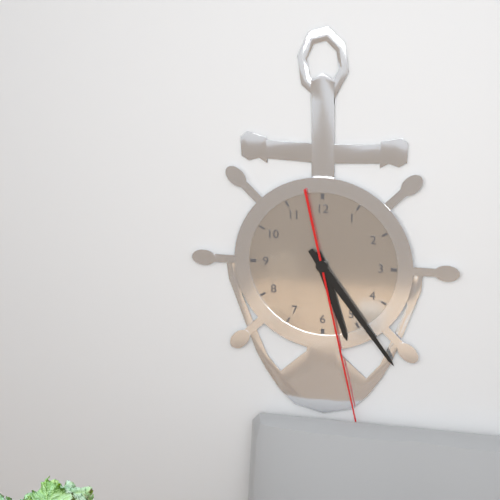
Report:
5:24:28
